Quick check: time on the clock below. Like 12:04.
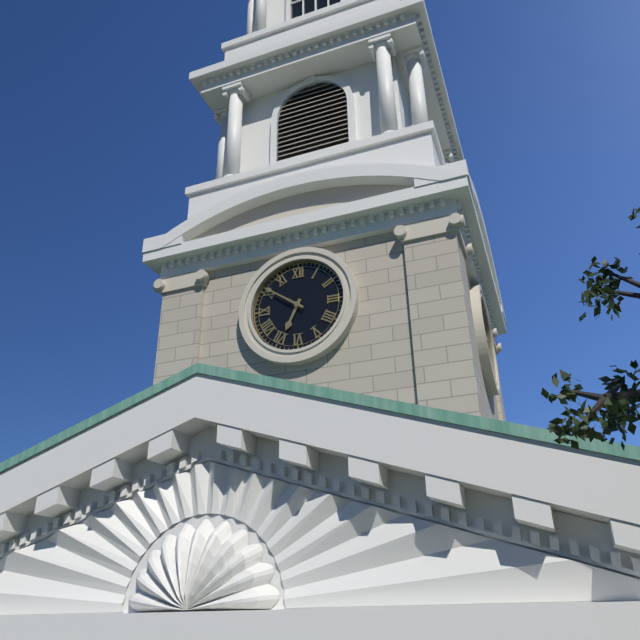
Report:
6:51
